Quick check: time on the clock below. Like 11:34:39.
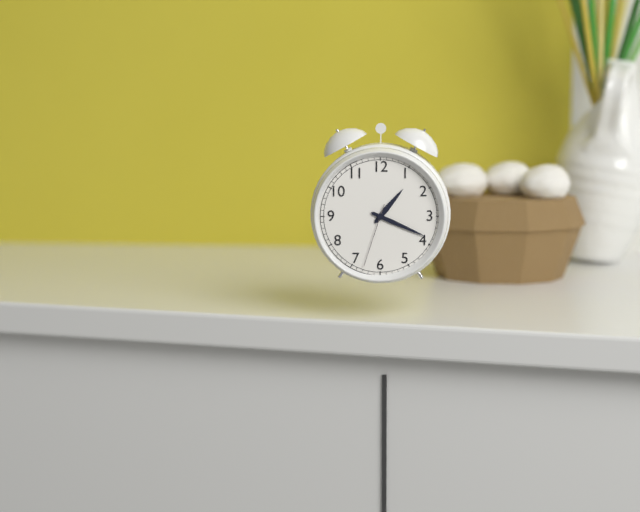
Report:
1:19:33
